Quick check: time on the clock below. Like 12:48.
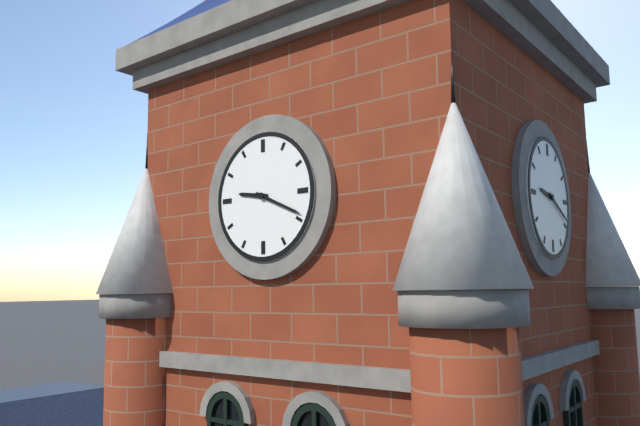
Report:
9:19
